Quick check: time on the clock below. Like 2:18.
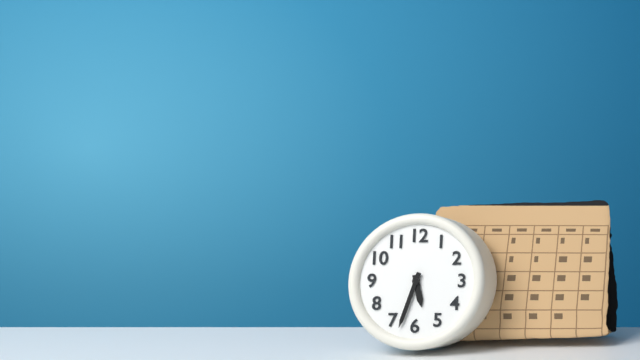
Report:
5:33
